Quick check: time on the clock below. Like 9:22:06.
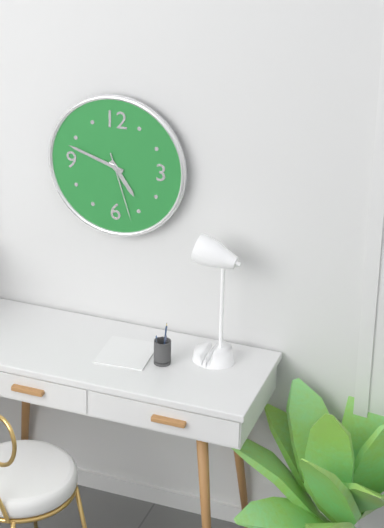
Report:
4:48:27
